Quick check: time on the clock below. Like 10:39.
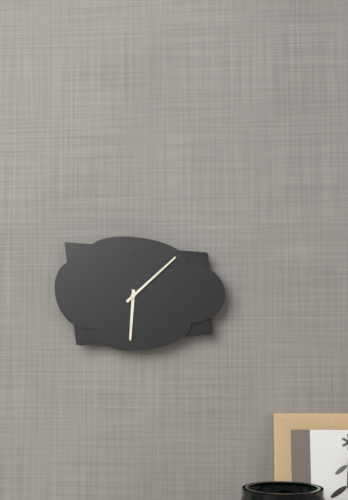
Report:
6:08
